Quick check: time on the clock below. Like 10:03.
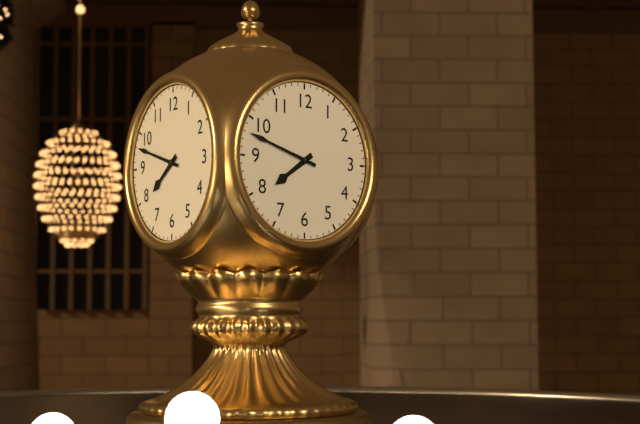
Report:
7:48
